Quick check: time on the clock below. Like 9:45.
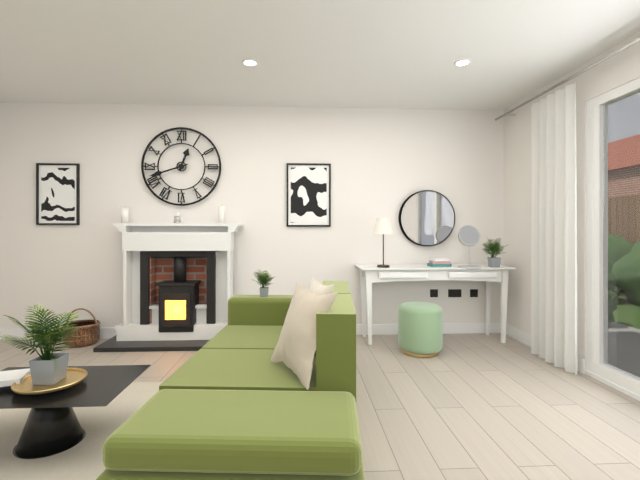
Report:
12:42
